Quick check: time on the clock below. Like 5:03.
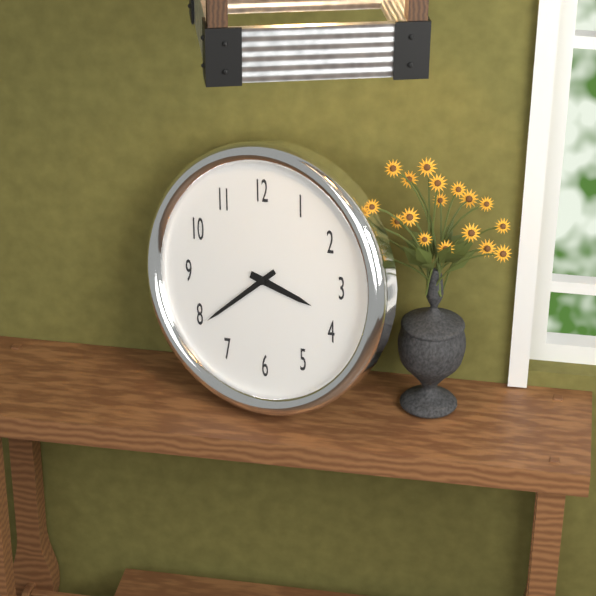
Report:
3:39
